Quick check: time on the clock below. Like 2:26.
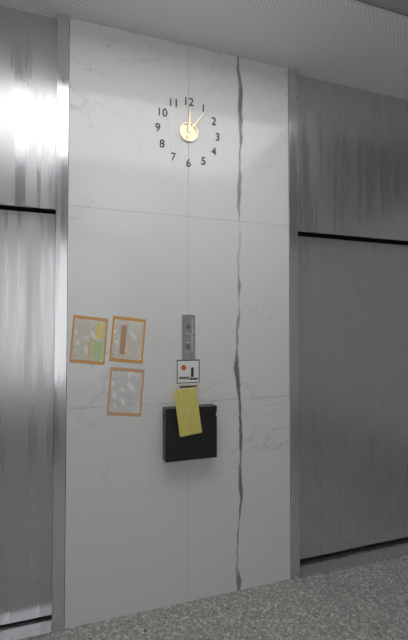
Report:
12:06
